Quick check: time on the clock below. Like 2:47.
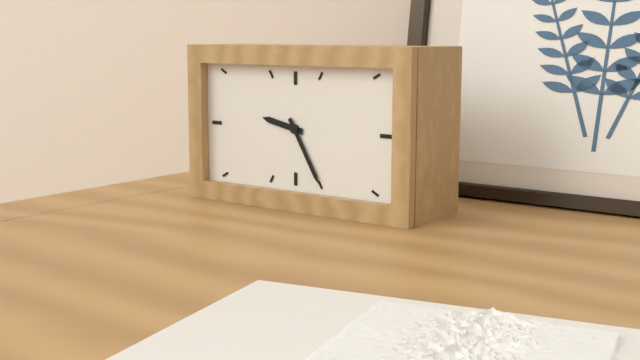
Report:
9:25
